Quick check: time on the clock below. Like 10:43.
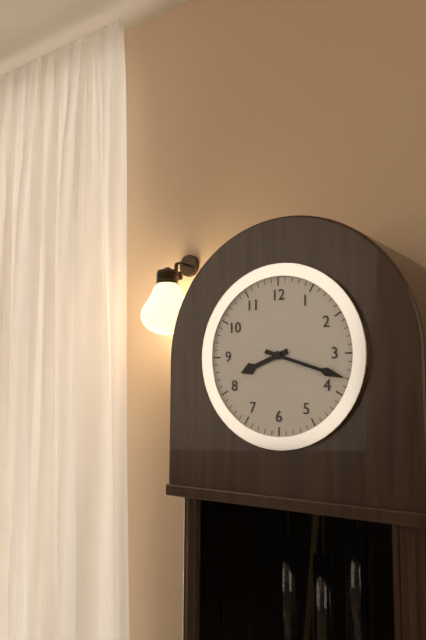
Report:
8:18
